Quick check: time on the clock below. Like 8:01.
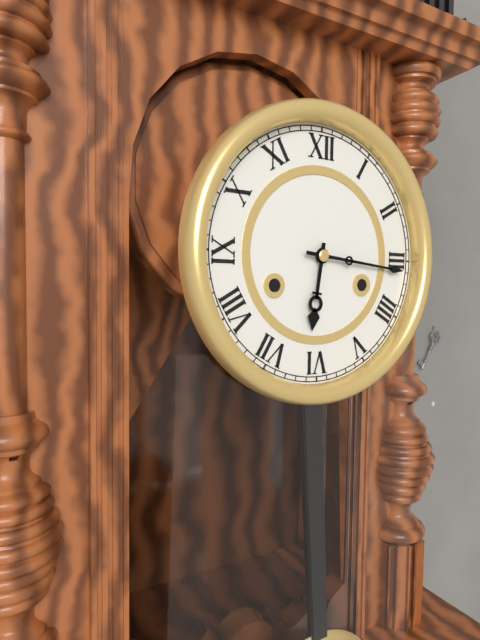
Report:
6:16
